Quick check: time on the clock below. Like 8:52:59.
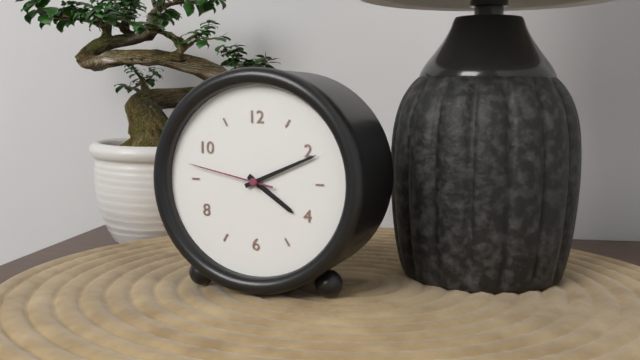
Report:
4:11:47
